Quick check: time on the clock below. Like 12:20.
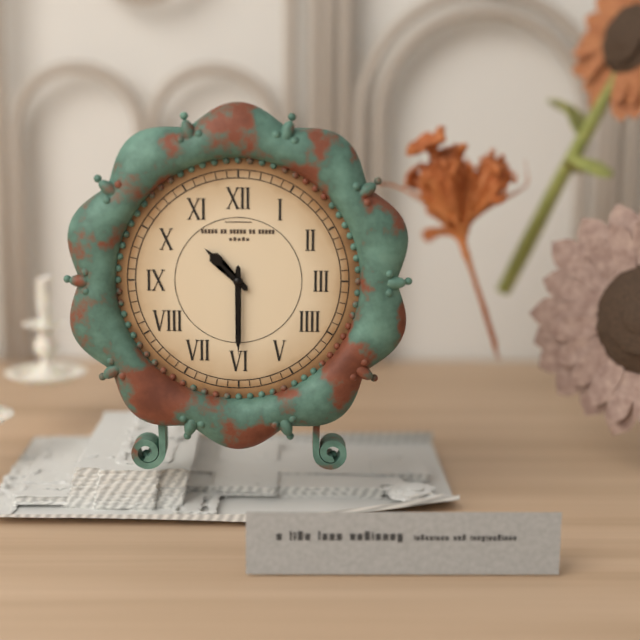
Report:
10:30
